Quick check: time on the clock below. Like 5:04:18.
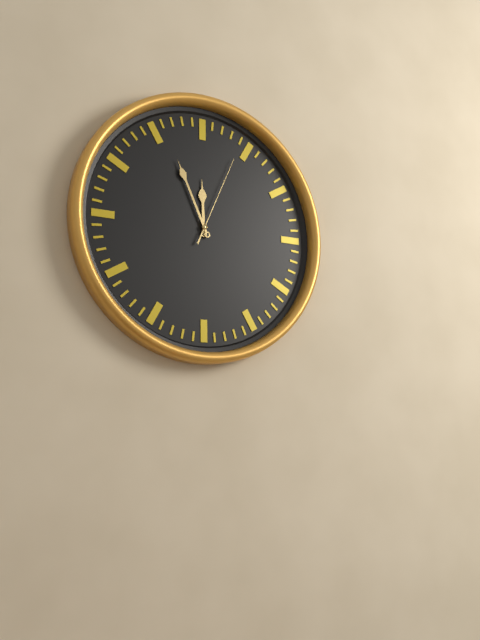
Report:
11:56:04
